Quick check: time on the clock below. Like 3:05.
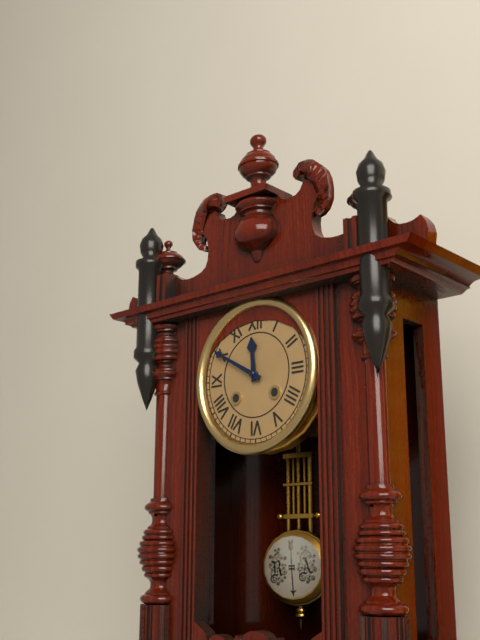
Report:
11:50
